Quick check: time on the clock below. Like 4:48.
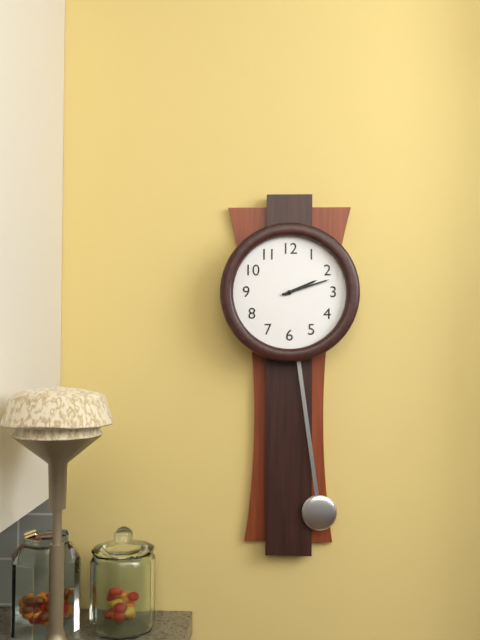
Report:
2:12
